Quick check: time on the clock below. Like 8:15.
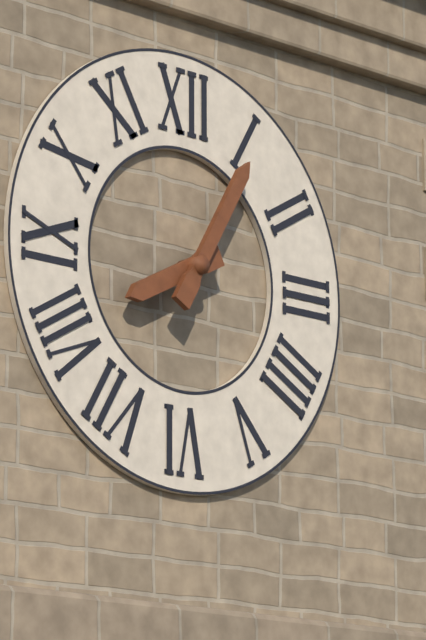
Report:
8:05
